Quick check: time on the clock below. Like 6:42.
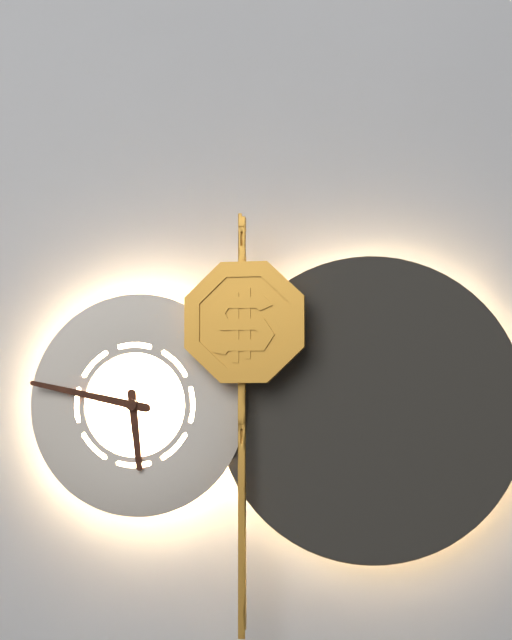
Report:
5:47
